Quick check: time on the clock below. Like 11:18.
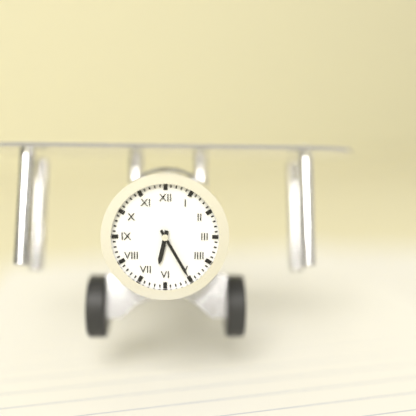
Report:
6:25
